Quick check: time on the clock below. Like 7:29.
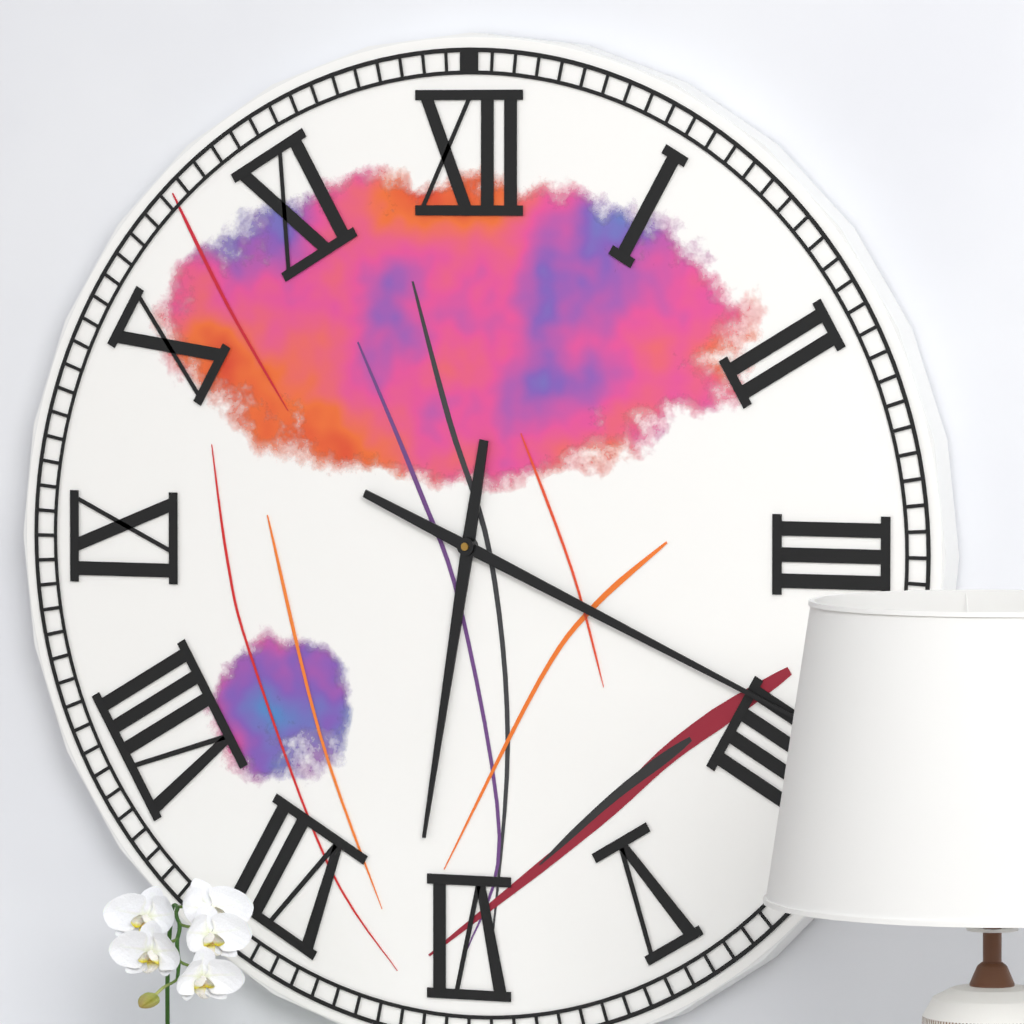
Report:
6:19
